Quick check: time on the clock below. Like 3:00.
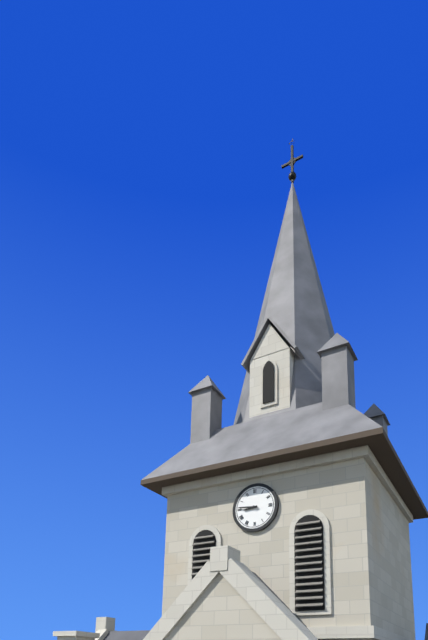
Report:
8:46
